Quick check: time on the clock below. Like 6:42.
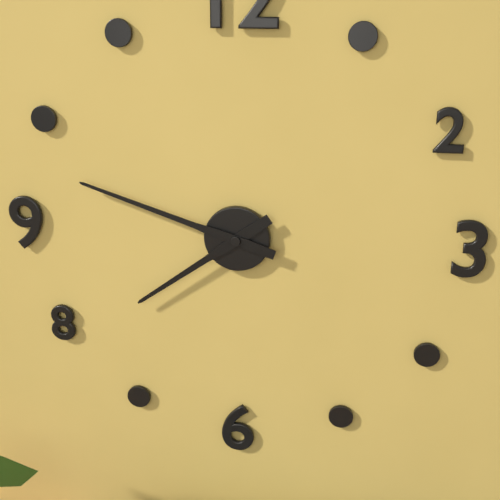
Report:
7:48
